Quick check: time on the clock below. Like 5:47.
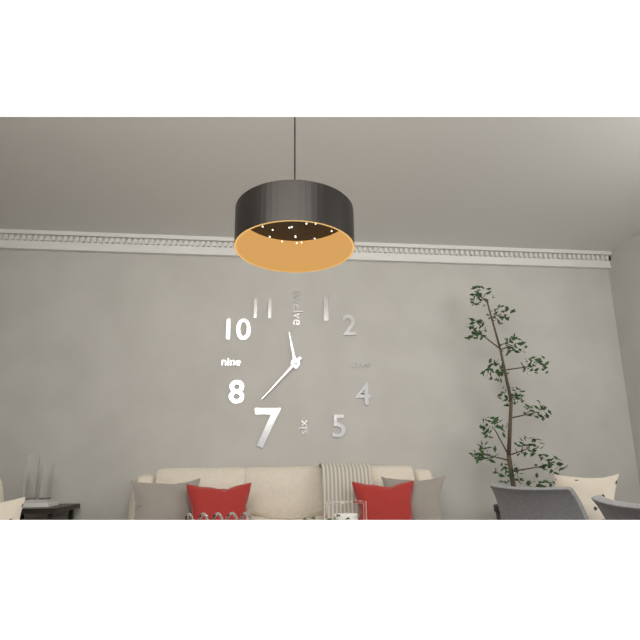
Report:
11:37
